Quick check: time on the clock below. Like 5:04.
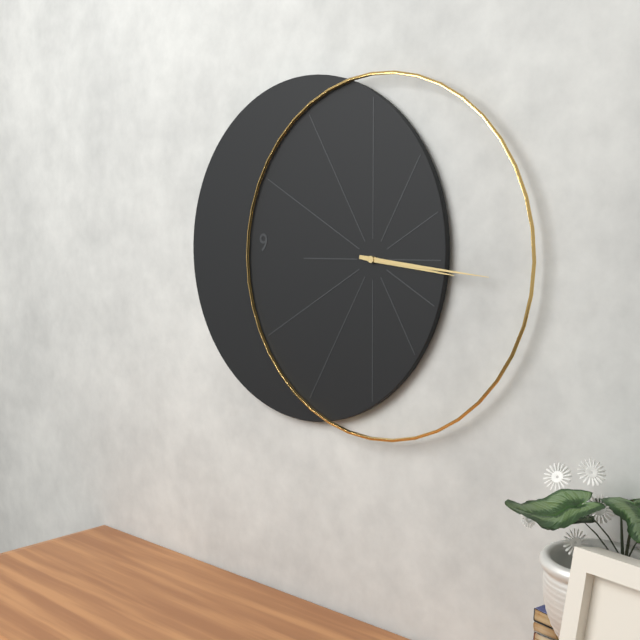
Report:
3:16
